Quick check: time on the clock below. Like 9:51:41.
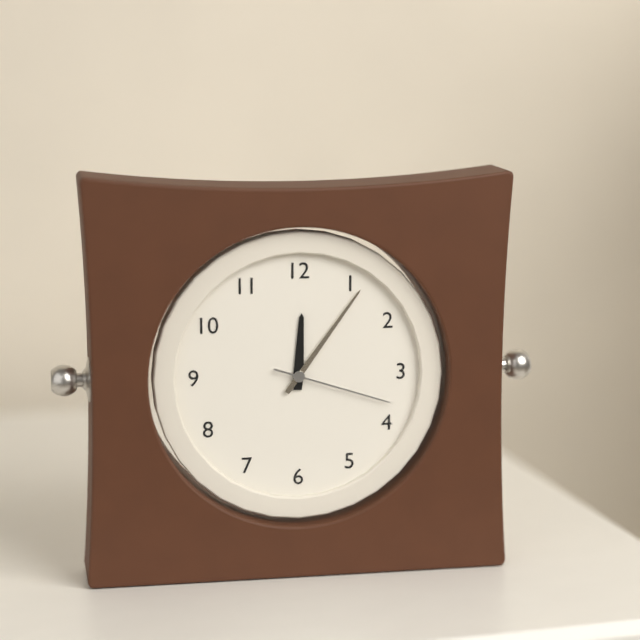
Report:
12:06:18
